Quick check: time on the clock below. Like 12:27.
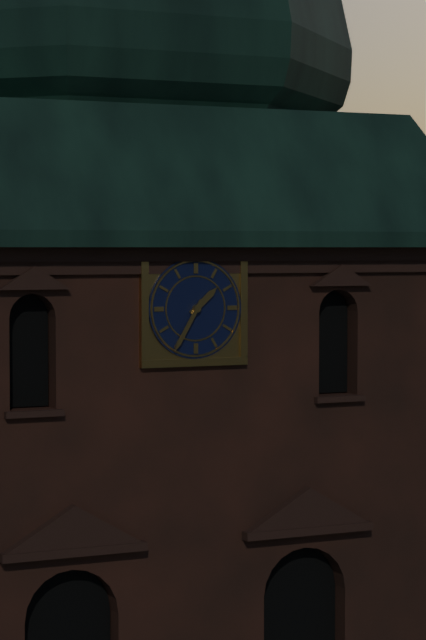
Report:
1:35
